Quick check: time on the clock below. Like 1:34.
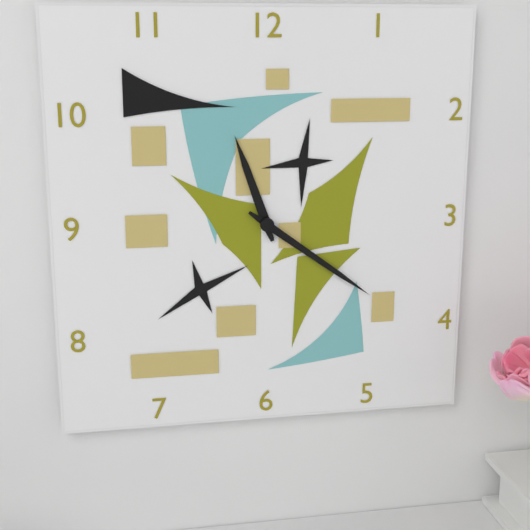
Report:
11:21
